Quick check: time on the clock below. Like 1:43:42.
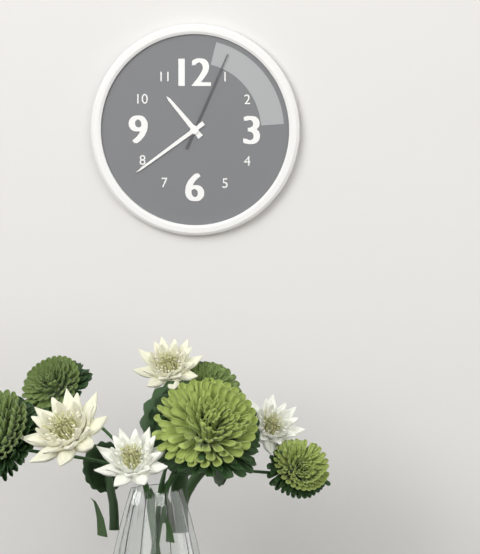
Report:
10:39:04
